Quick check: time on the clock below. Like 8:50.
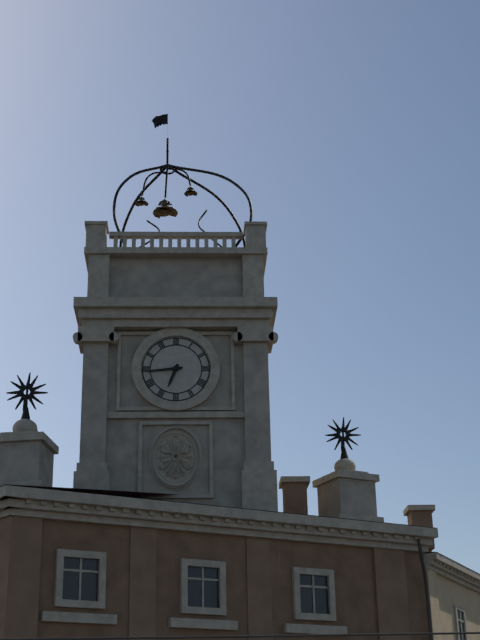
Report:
6:44
